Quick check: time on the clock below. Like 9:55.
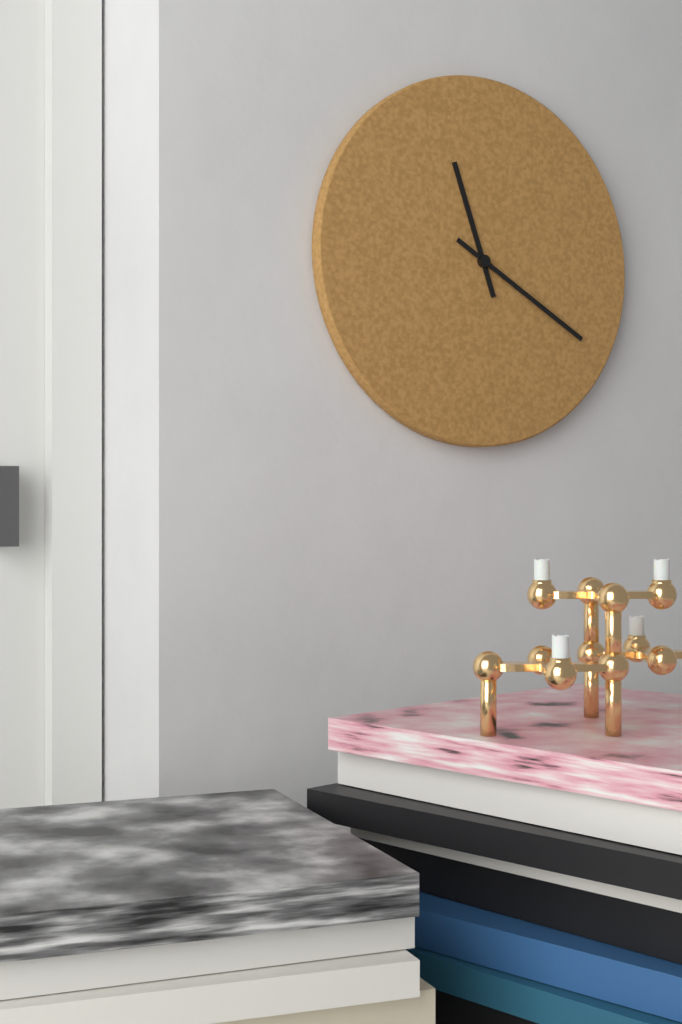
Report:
11:20
